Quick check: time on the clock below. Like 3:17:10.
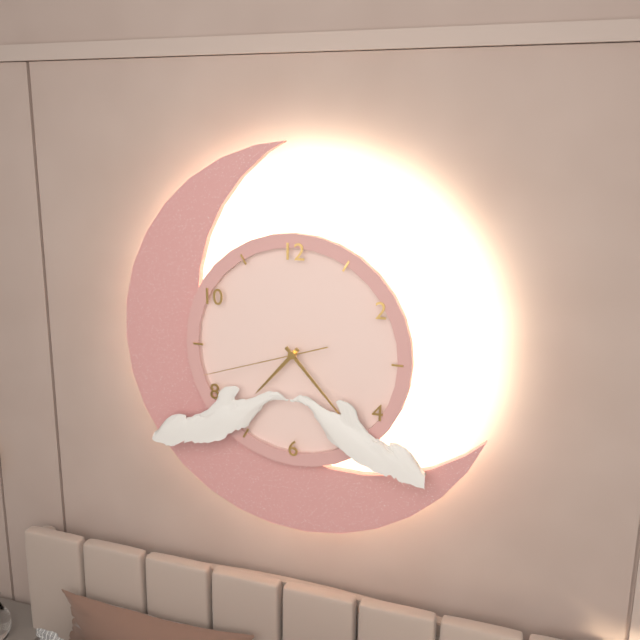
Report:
7:23:42
